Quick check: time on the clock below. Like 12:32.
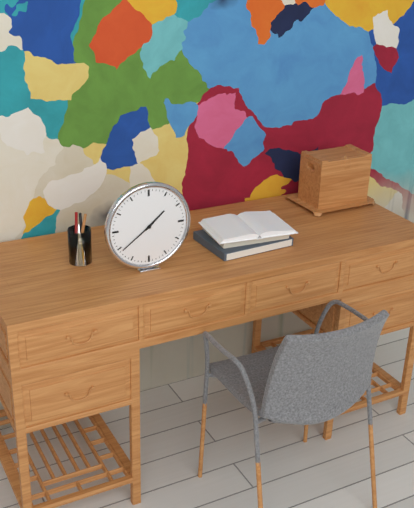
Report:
1:39
